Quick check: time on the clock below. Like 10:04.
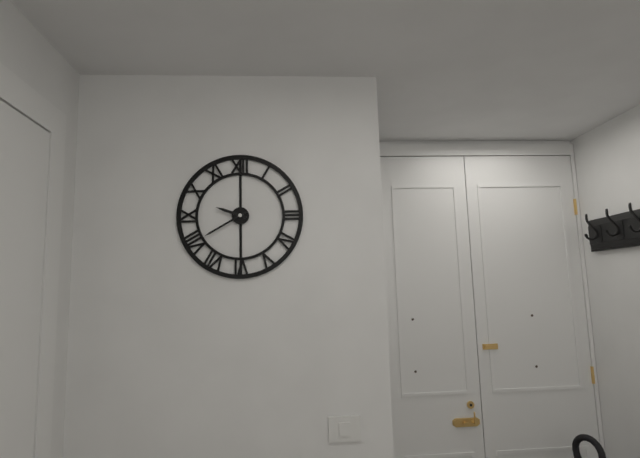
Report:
9:40
